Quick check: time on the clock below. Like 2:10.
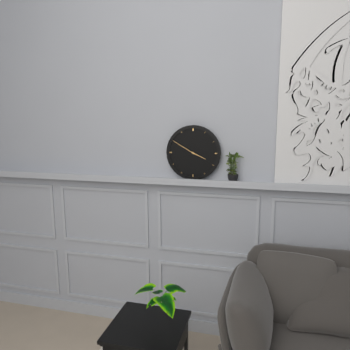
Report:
3:50
